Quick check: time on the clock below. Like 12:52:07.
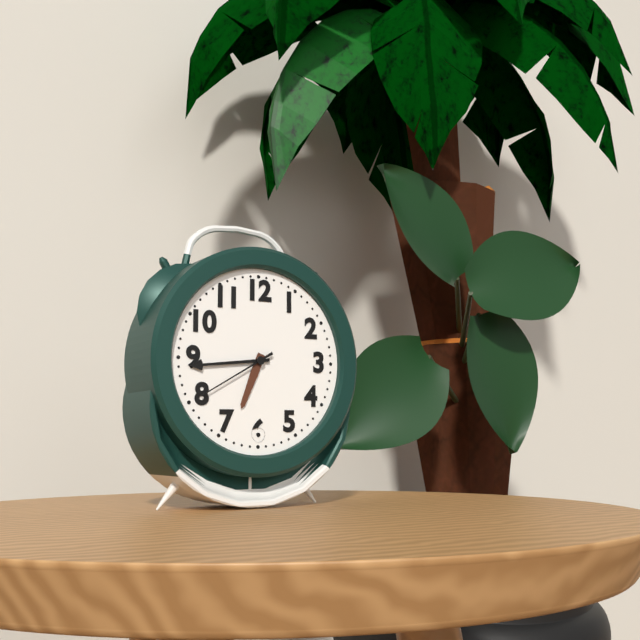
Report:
6:44:40
